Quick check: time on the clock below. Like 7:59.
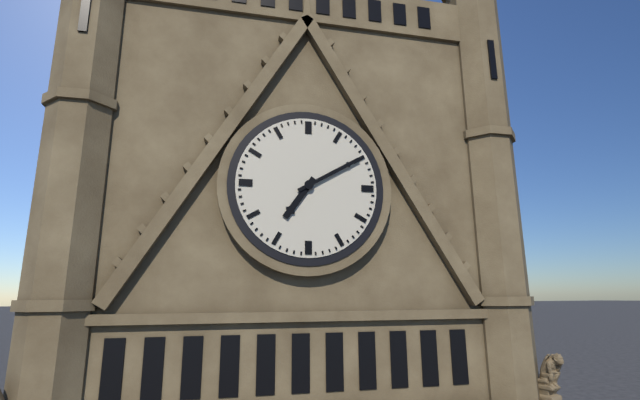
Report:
7:10
